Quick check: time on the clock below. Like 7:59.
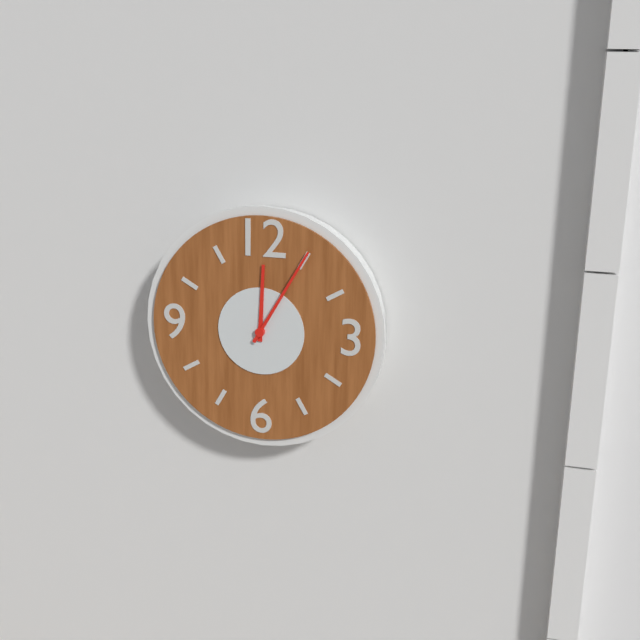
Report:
12:05
